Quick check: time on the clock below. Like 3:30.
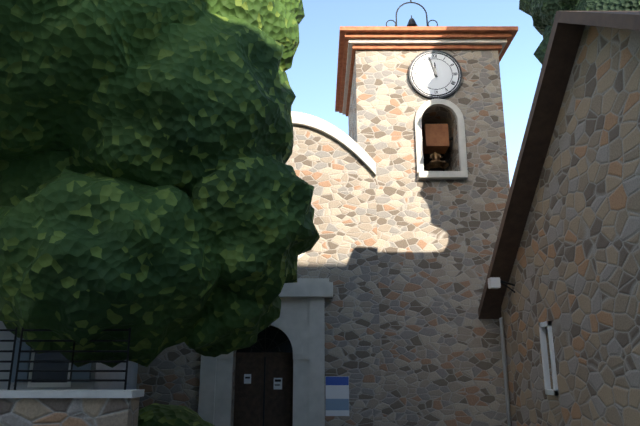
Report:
11:57
